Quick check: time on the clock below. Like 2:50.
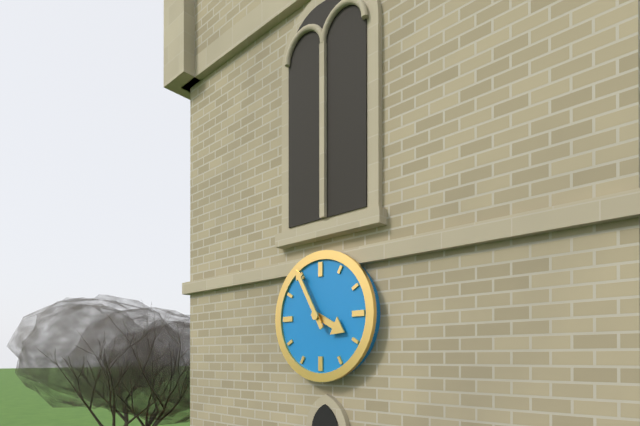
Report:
3:55
